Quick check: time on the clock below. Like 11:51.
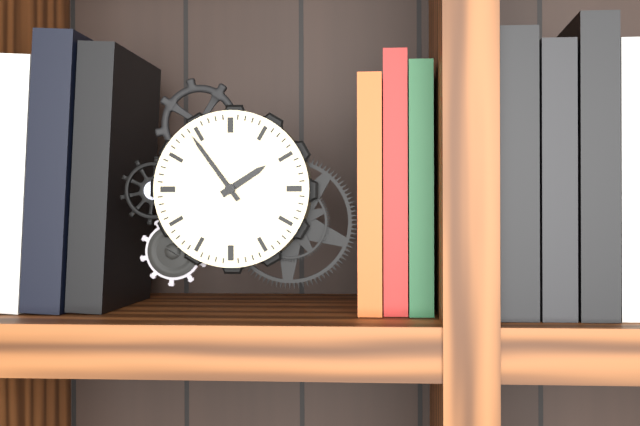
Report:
1:54
